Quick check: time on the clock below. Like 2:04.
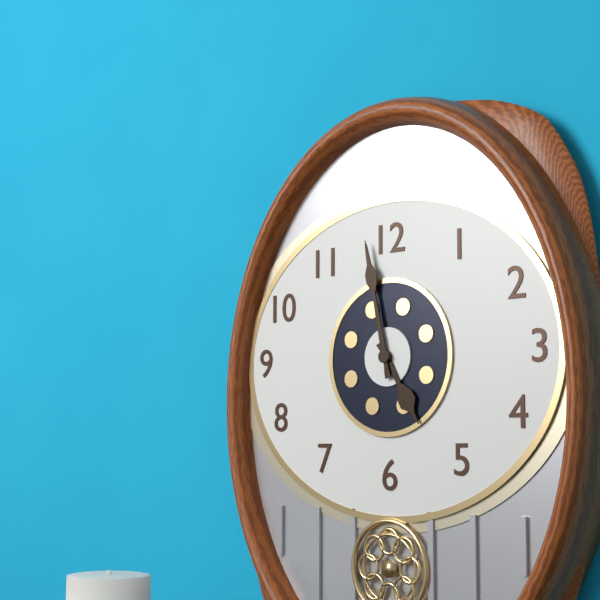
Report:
4:58
